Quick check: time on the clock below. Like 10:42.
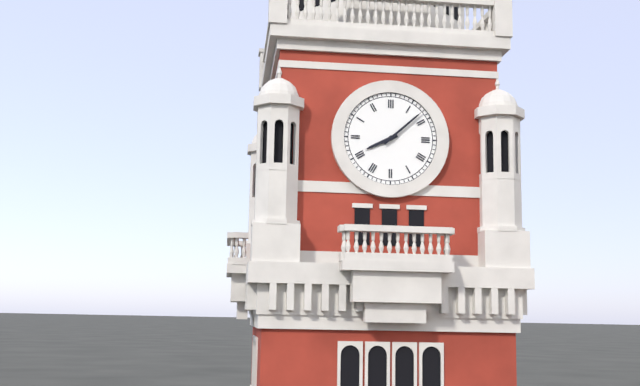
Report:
8:08
